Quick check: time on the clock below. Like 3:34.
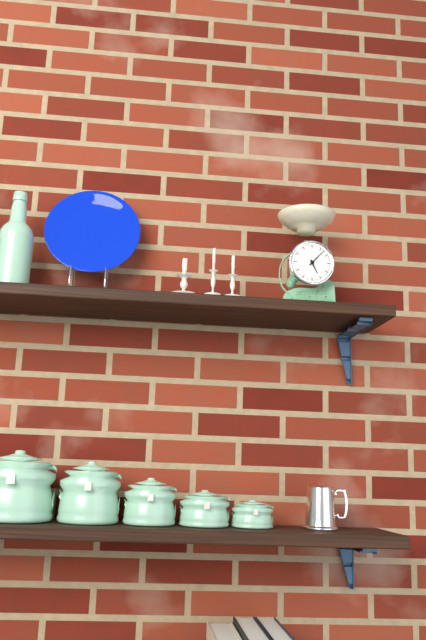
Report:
5:07
